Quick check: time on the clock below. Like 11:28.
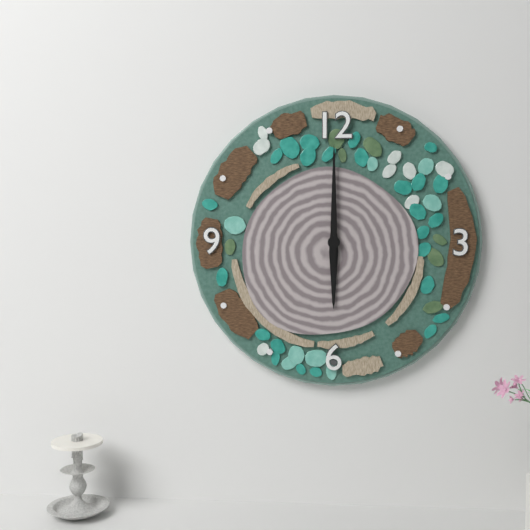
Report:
6:00
